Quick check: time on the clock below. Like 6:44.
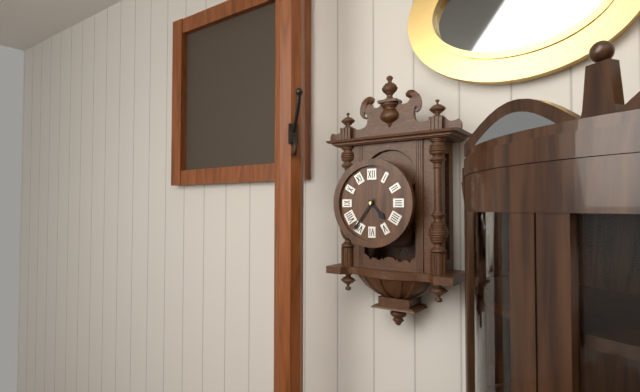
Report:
4:36
